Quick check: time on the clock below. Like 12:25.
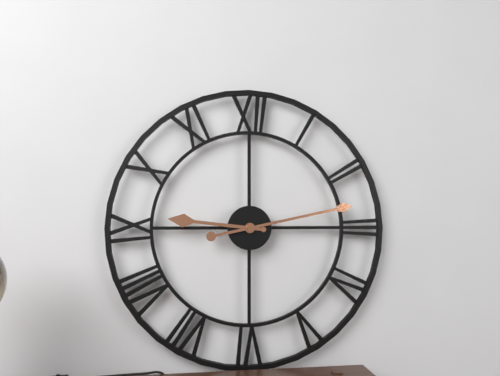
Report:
9:13
